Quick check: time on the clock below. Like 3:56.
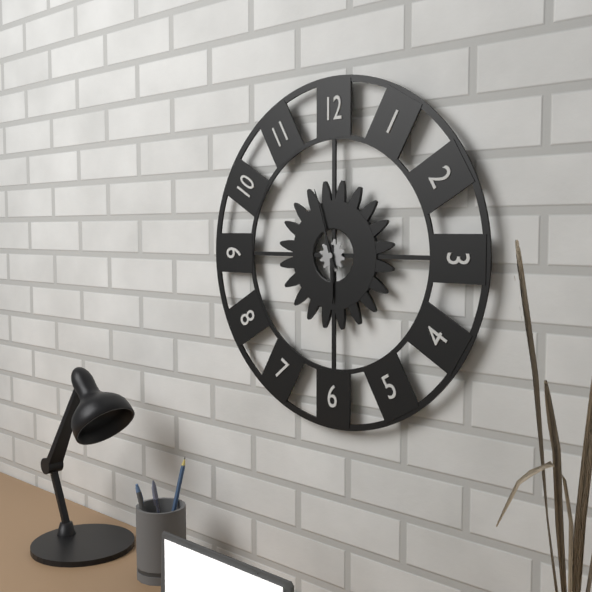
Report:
5:57
